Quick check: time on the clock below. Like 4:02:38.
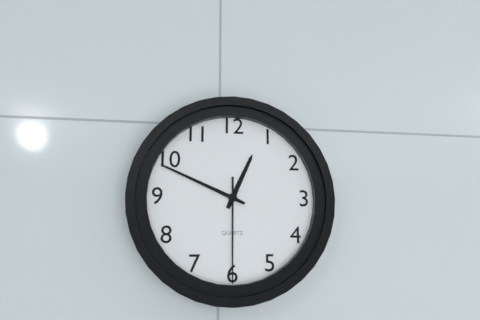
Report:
12:49:30
